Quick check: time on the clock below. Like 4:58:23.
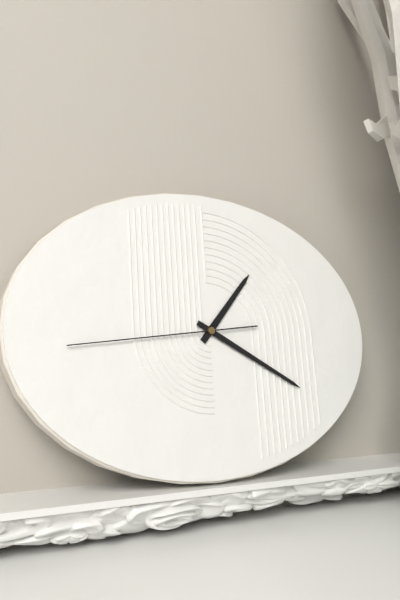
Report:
1:20:44
